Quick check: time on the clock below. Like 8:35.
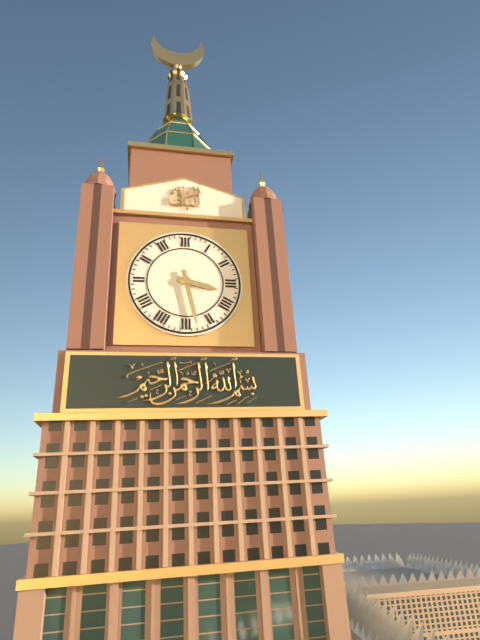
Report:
3:28
